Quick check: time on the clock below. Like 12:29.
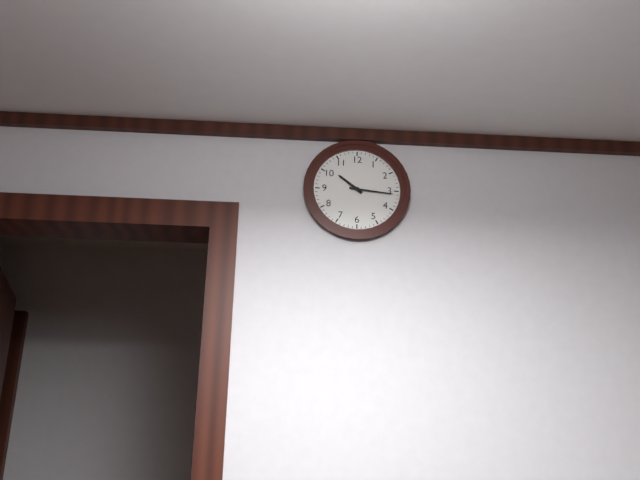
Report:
10:16
